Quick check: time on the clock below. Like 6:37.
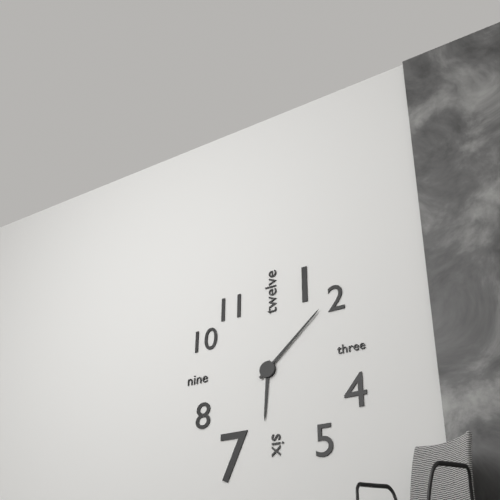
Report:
6:08
